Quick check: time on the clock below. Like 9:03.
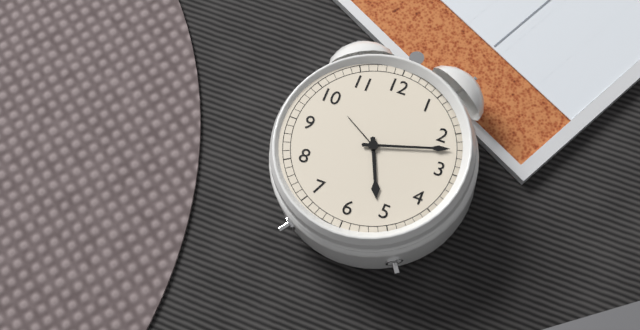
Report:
5:12
